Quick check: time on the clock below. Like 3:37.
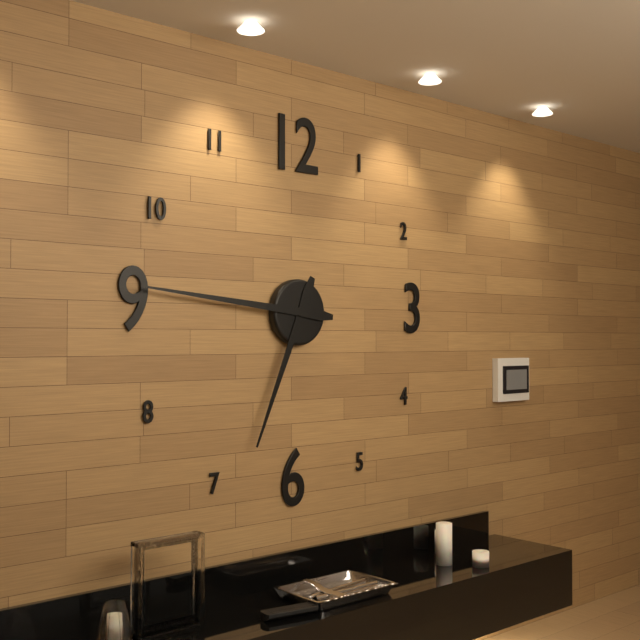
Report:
6:46
